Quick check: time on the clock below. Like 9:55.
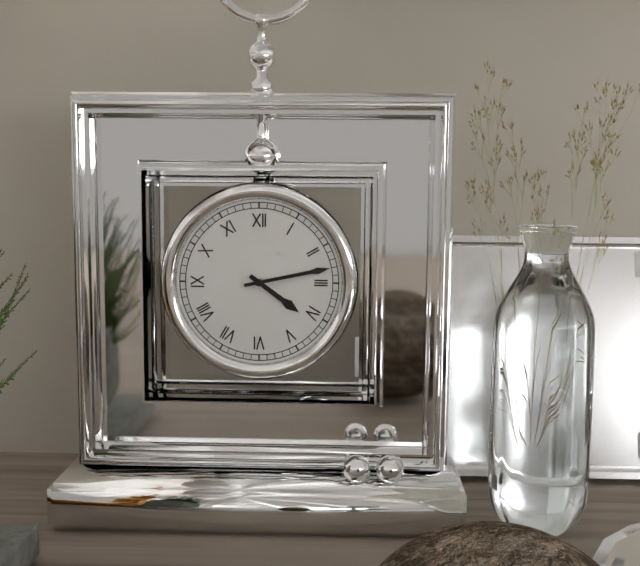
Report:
4:13
